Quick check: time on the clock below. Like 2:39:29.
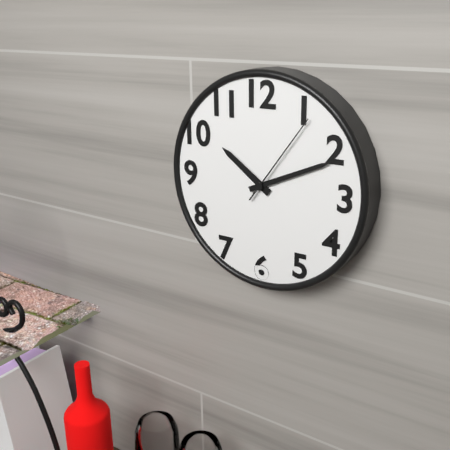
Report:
10:11:06
